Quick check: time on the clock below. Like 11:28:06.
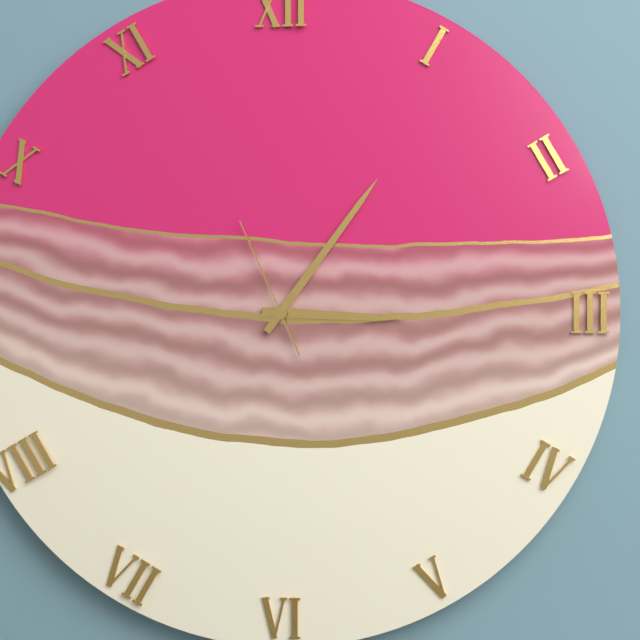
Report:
3:06:56
